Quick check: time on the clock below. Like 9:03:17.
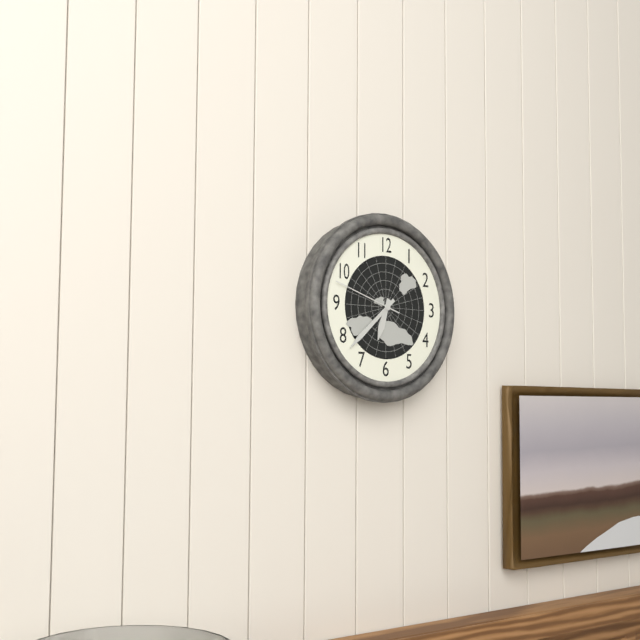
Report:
6:38:48
